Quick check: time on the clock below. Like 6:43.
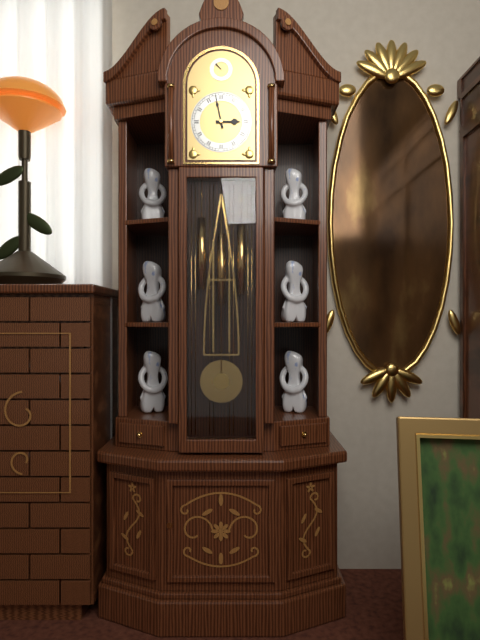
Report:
2:58
